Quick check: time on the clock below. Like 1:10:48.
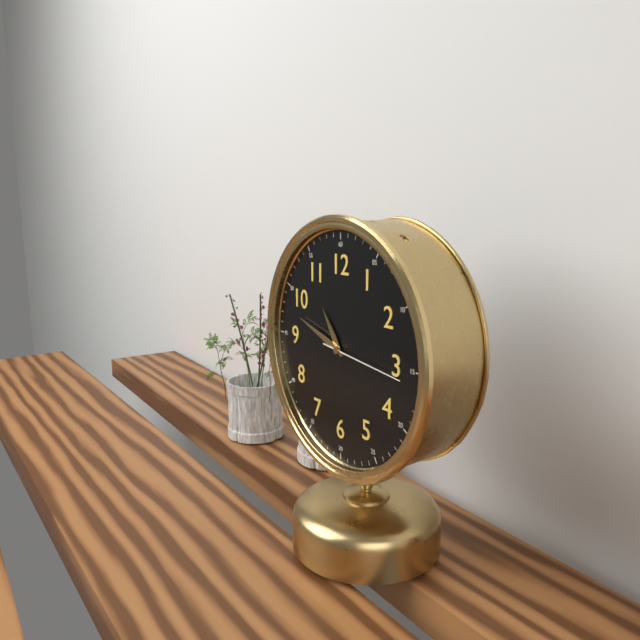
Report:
10:48:16
